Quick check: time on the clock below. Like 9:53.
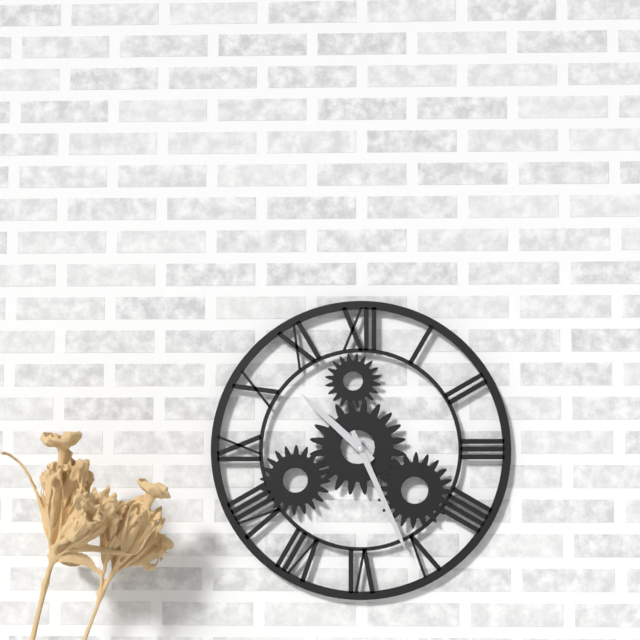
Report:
10:26
